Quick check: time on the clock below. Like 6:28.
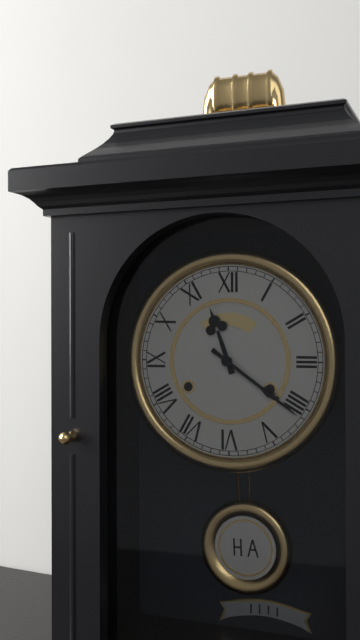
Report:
11:21
